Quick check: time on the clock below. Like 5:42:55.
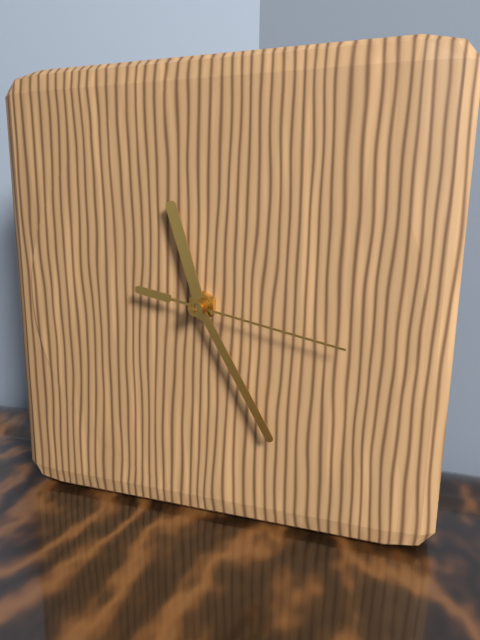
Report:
11:25:17
